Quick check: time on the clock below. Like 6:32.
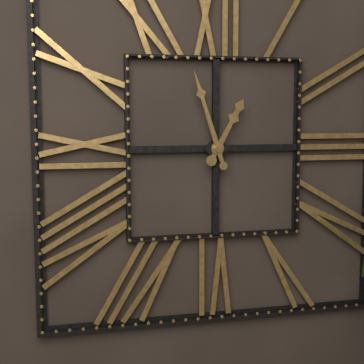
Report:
12:57
